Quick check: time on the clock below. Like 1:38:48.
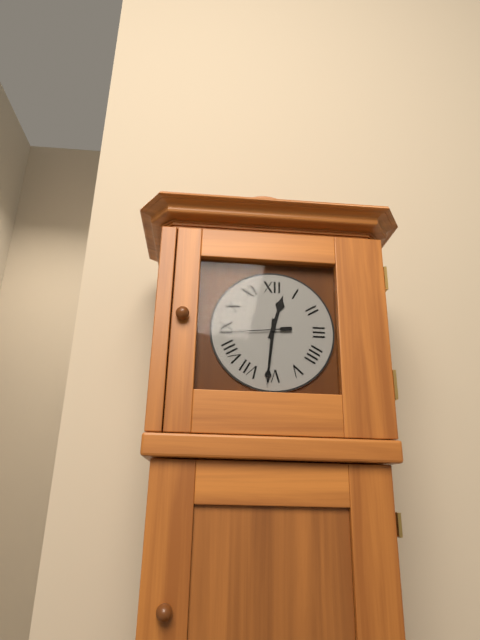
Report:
12:31:44
